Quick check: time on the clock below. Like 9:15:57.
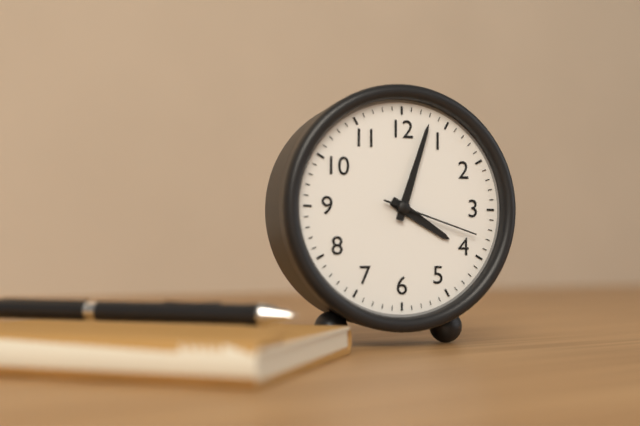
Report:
4:03:18
